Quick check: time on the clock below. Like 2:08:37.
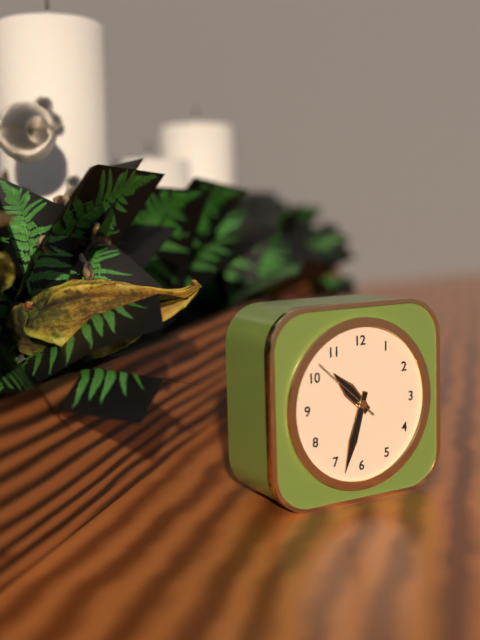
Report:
10:33:52
